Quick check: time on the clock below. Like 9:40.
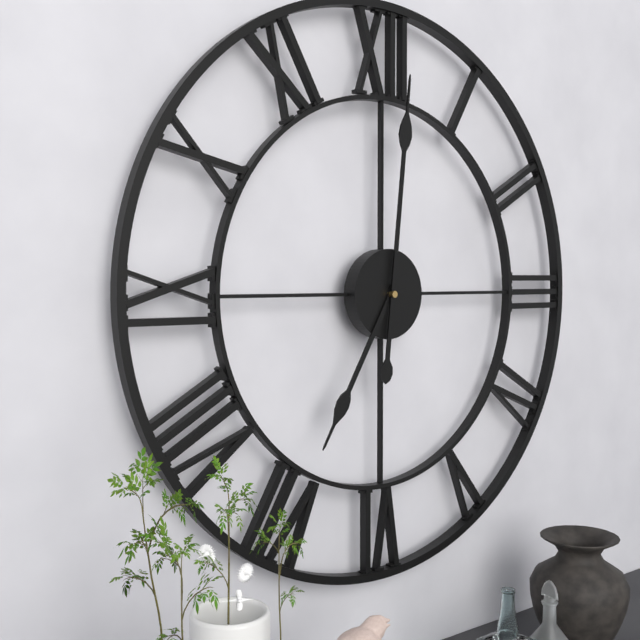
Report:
7:01
